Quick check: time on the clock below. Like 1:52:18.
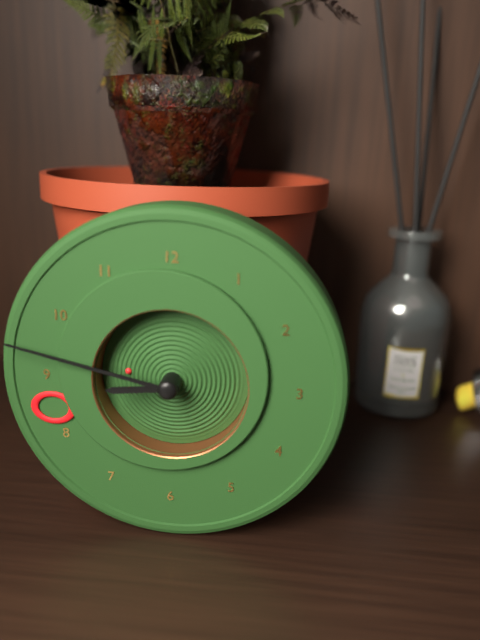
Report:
8:47:46
